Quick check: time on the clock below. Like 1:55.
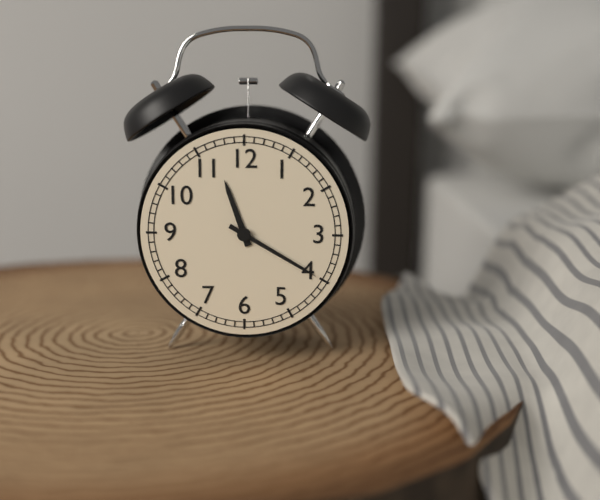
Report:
11:20
